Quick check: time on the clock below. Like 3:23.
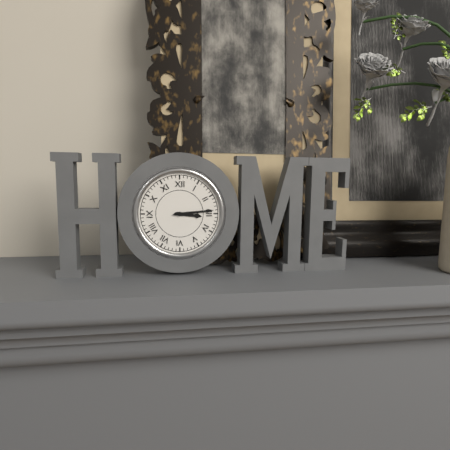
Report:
3:14
